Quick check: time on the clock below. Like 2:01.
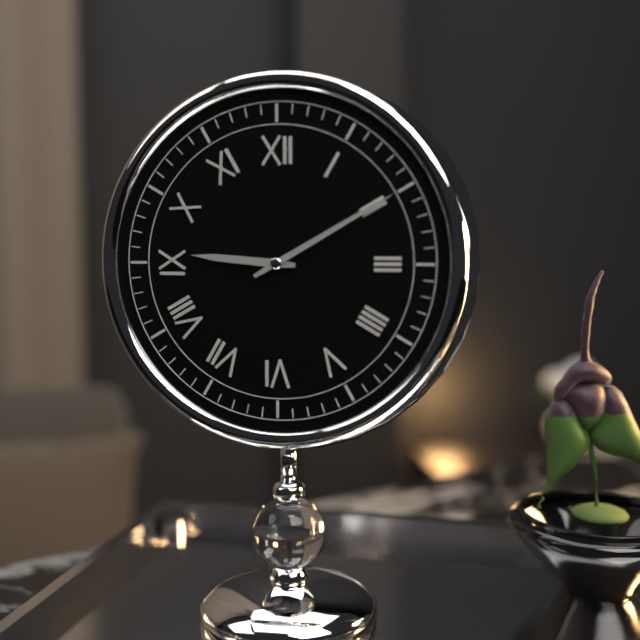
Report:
9:10
